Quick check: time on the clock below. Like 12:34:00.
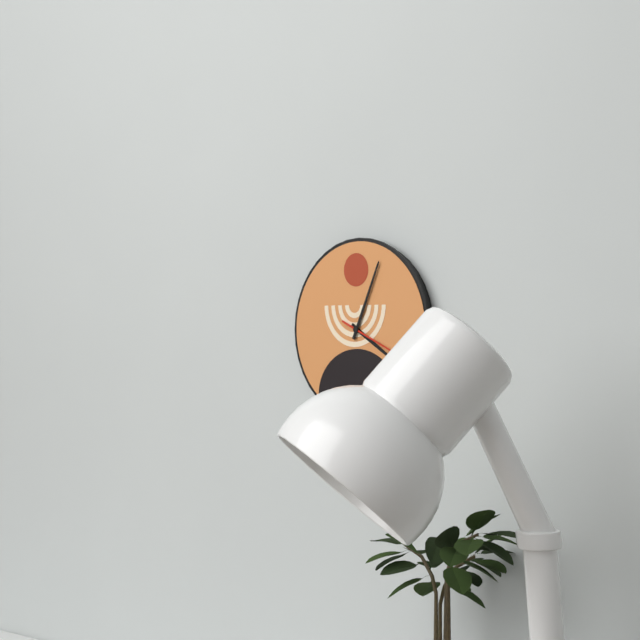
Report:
4:04:19
